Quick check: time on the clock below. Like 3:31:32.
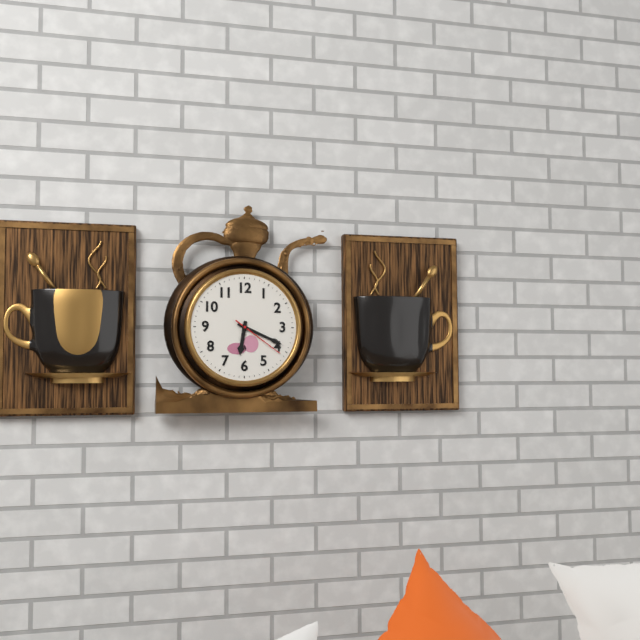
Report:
6:19:21
